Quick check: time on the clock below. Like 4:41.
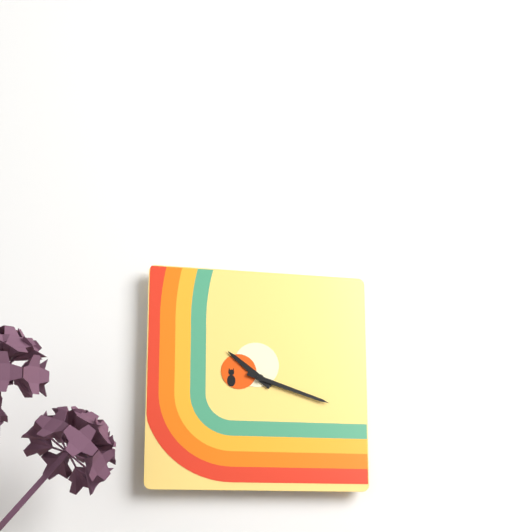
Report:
10:18
